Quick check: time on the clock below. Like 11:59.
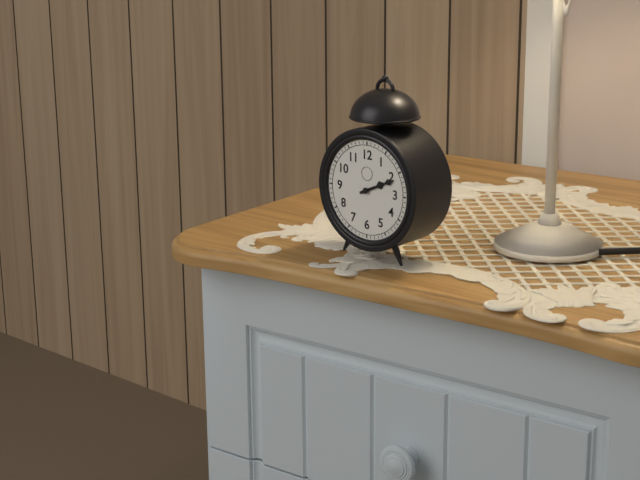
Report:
2:11
